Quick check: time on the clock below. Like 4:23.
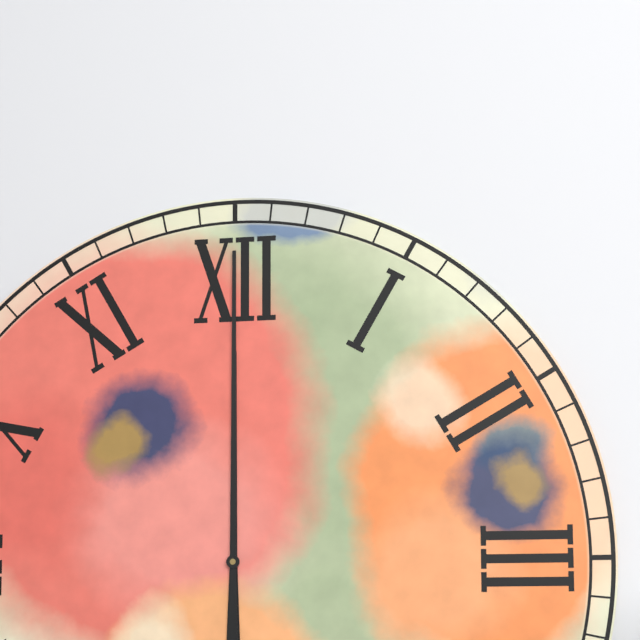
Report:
12:00
